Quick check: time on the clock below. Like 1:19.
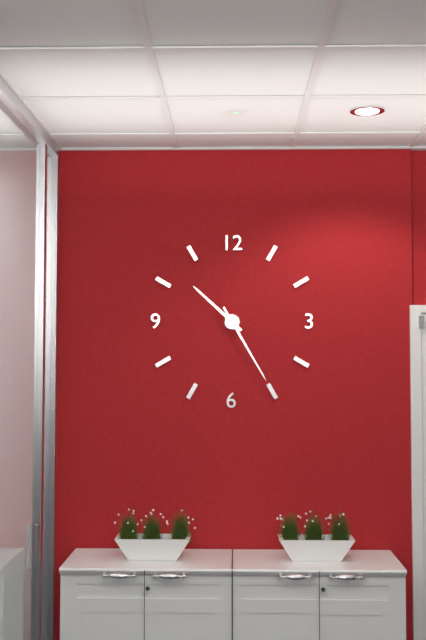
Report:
10:25
